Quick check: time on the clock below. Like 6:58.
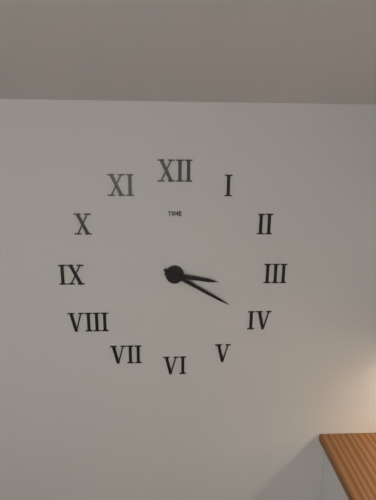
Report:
3:20
